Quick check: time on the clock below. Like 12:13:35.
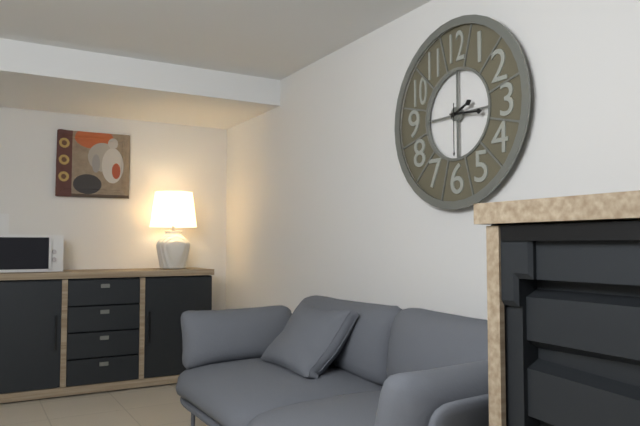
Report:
2:16:30
